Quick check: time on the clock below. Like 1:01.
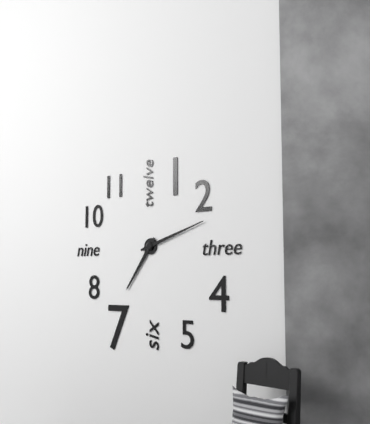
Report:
7:12
